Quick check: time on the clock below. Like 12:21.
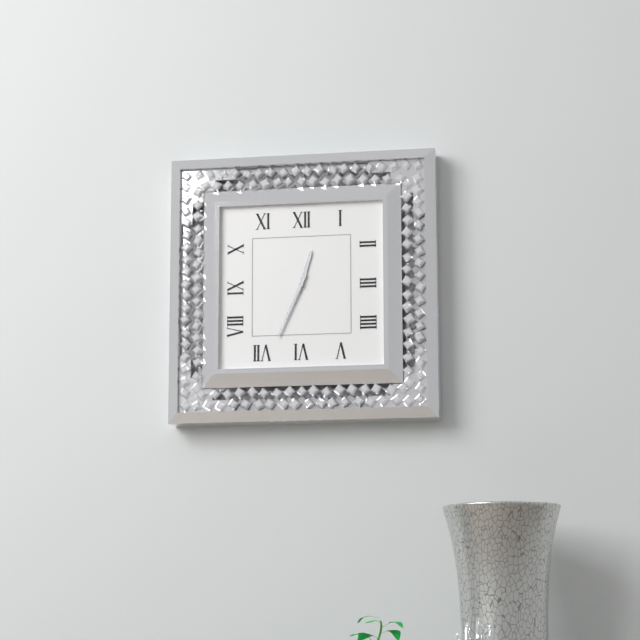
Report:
12:34
